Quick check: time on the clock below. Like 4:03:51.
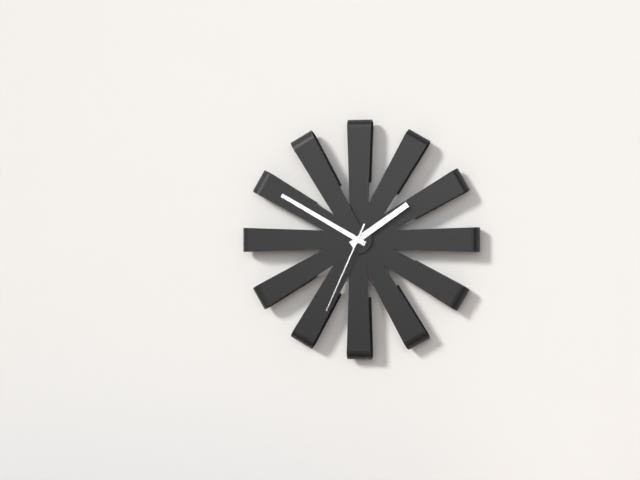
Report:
1:50:34
